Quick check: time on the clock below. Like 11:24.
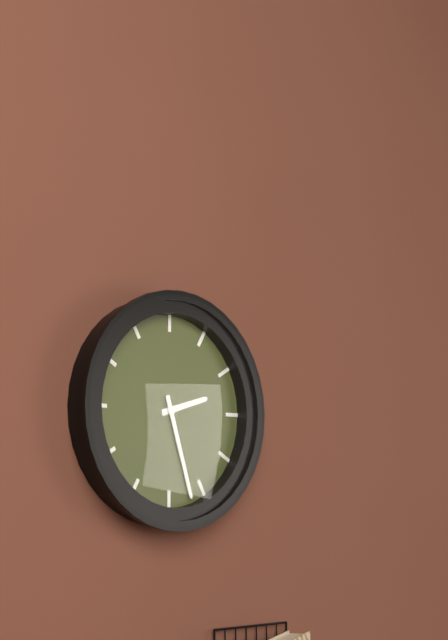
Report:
2:27
